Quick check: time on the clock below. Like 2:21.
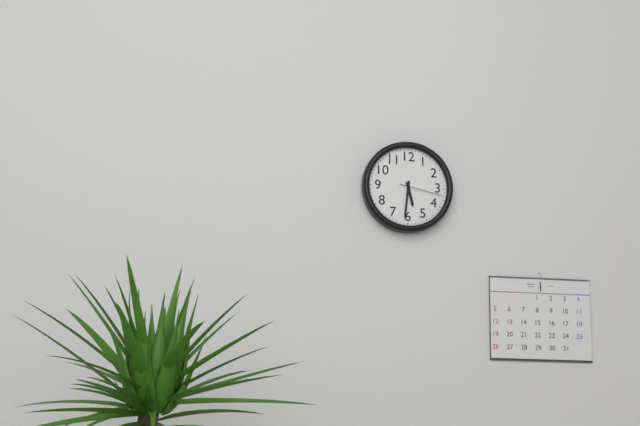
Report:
5:31
